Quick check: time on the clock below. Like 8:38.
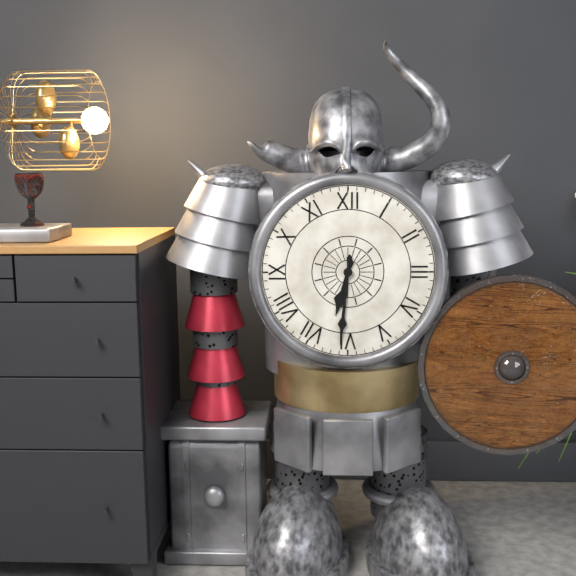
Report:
6:31
